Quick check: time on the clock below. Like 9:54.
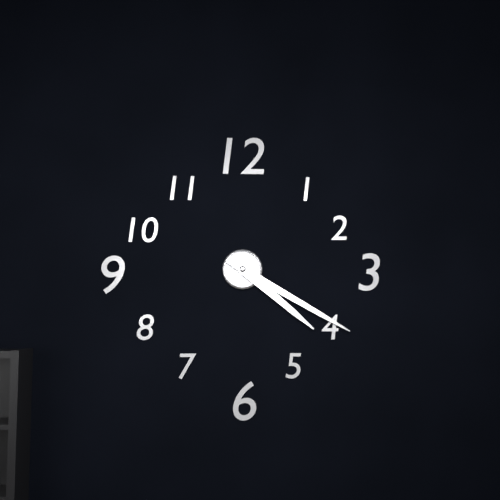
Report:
4:20
